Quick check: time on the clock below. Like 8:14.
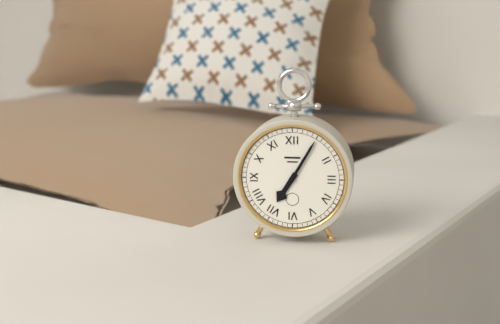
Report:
7:05
